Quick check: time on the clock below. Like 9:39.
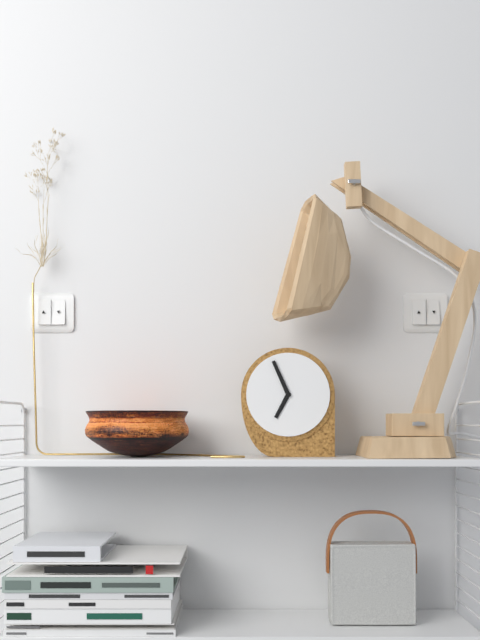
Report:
6:56
